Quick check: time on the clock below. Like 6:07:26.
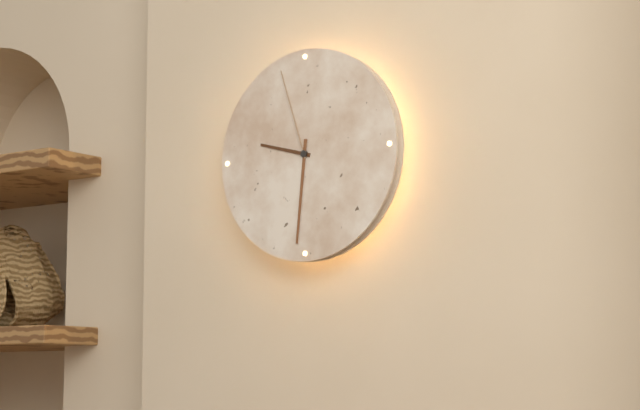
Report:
9:31:57
